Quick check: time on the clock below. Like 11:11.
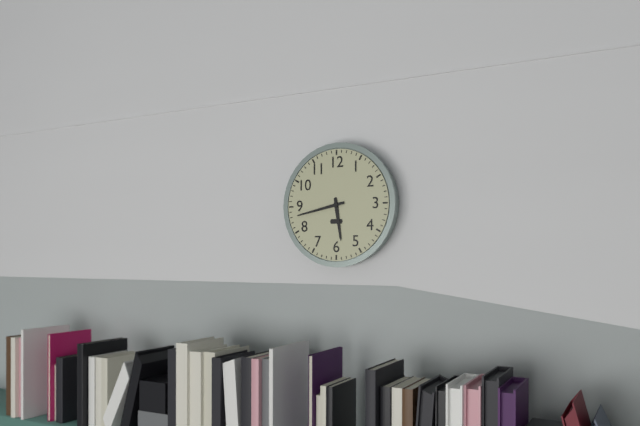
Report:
5:43
